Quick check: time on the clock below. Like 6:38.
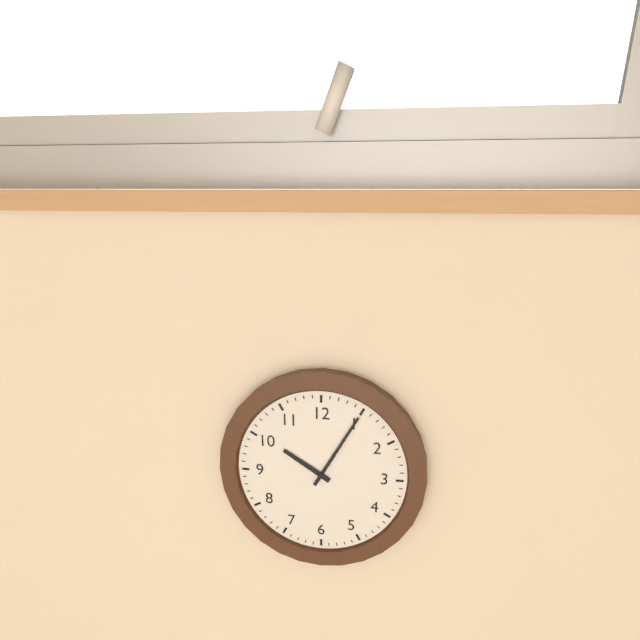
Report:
10:05
